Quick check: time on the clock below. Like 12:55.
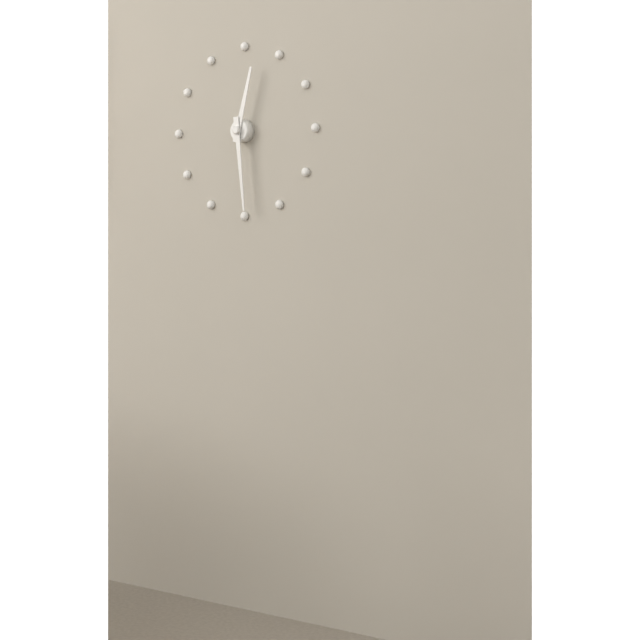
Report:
12:29
